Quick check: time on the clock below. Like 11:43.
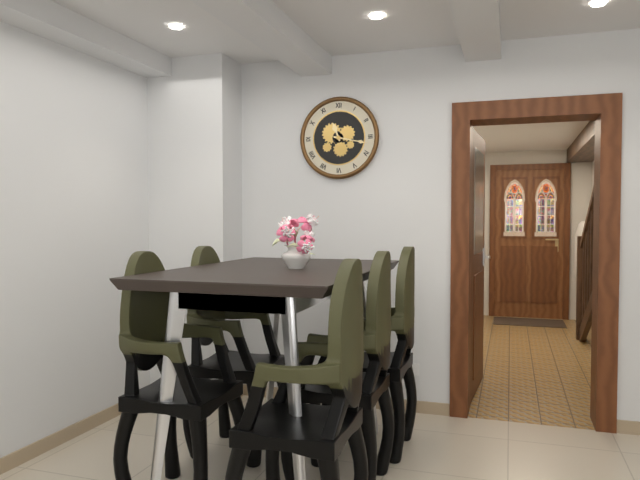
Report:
11:17
